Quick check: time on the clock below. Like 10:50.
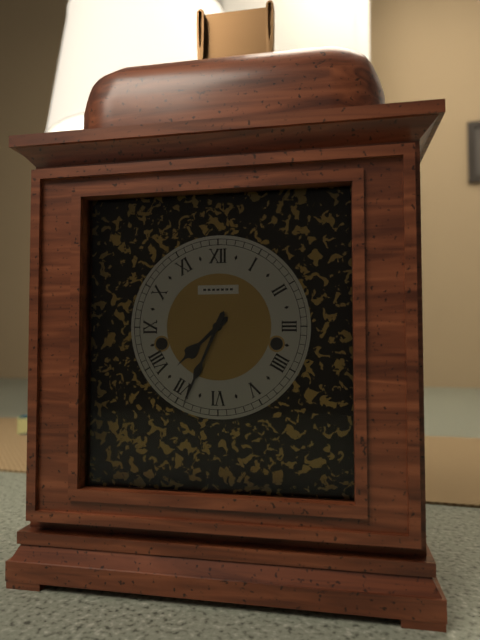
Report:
7:34
